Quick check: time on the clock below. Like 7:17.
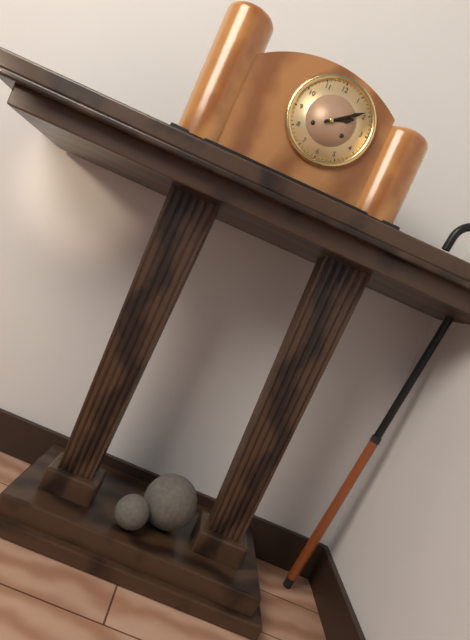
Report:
2:09
